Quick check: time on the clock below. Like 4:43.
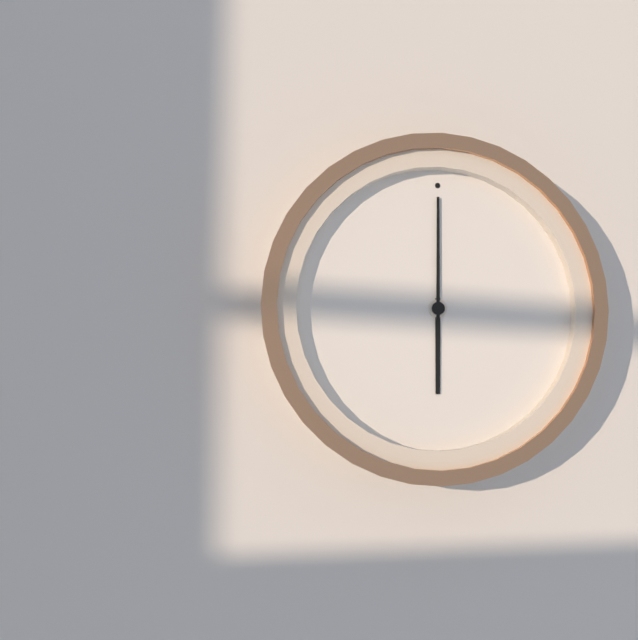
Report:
6:00
